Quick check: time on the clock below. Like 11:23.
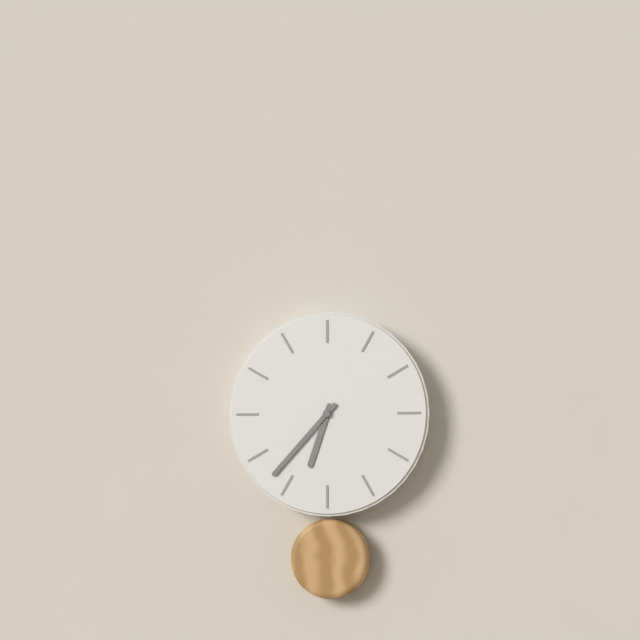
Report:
6:37
